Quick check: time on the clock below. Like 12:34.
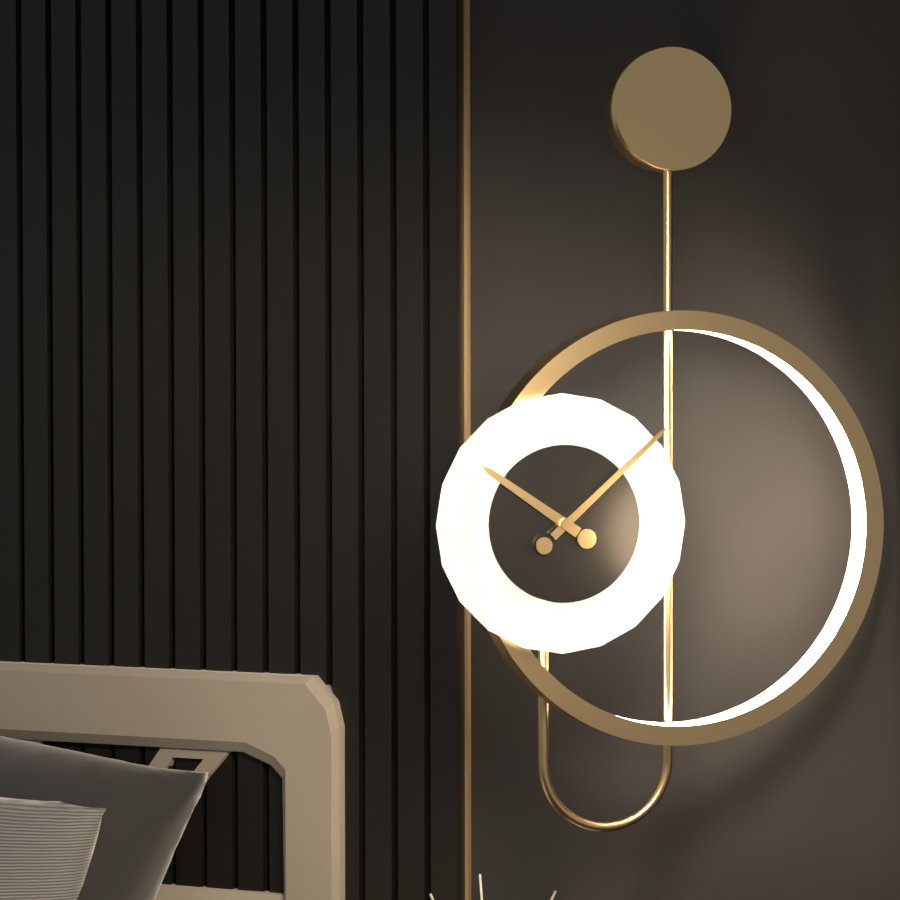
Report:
10:08
